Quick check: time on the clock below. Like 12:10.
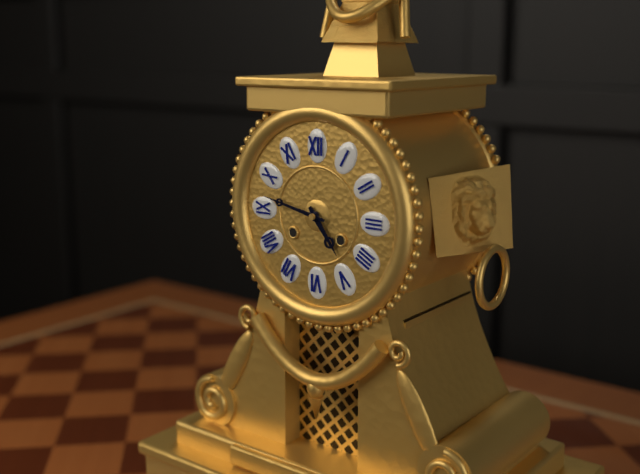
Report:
4:47
